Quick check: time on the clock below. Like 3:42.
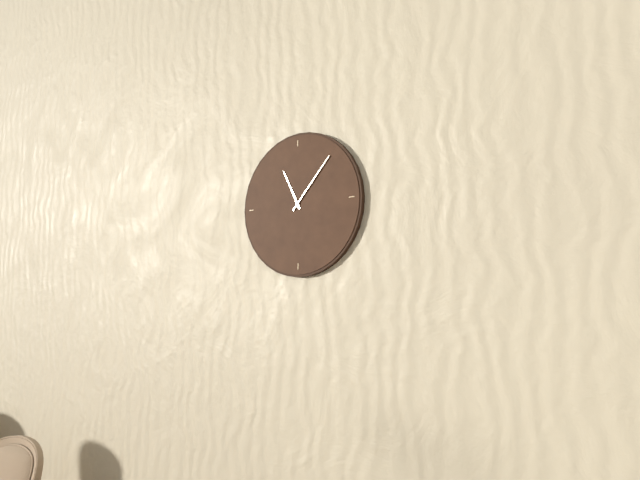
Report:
11:07
